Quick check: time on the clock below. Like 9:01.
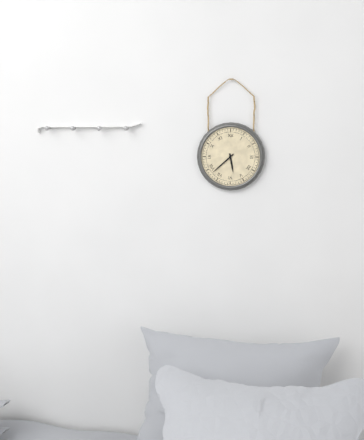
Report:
5:38
